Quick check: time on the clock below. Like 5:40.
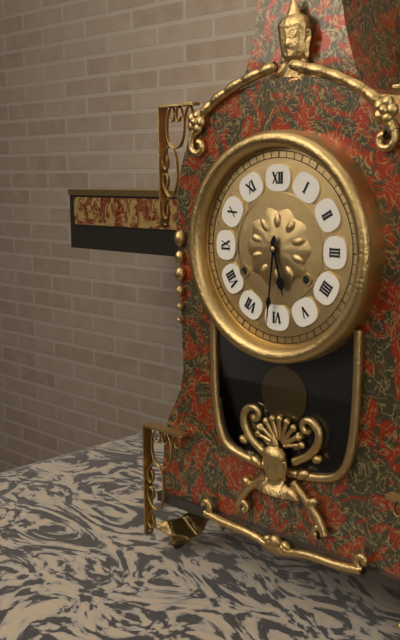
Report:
5:31
